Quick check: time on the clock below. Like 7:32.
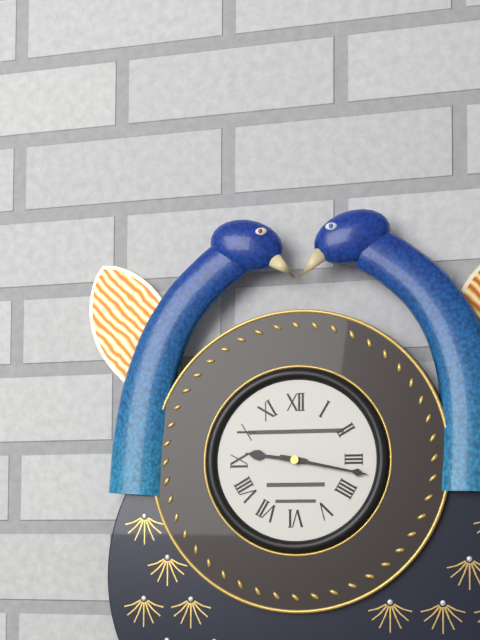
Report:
9:17
